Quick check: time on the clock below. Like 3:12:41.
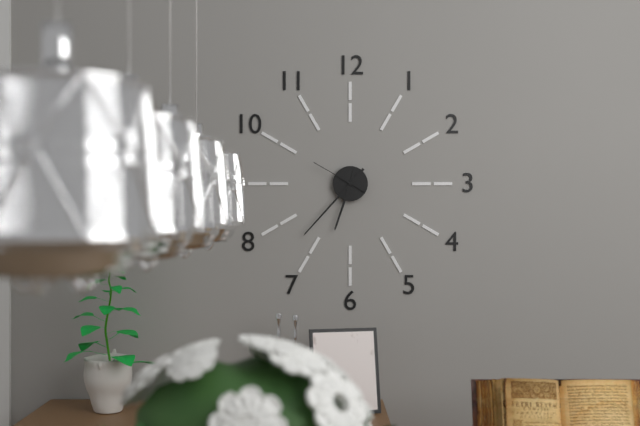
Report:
6:37:50
